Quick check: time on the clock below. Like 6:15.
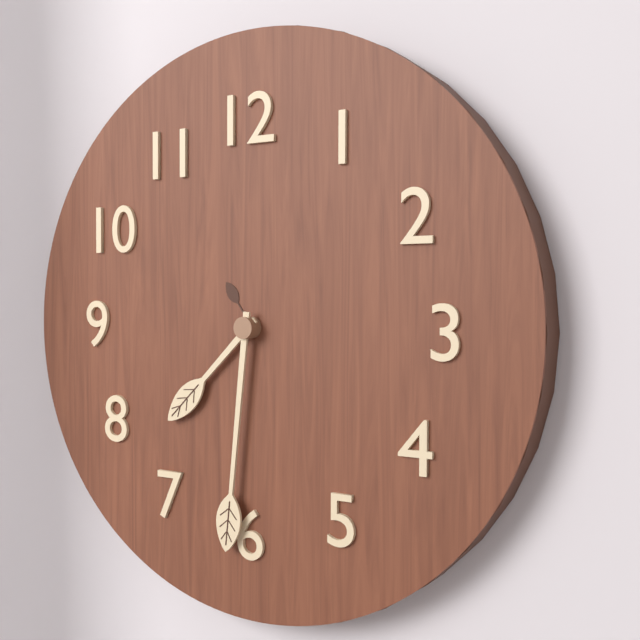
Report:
7:31
